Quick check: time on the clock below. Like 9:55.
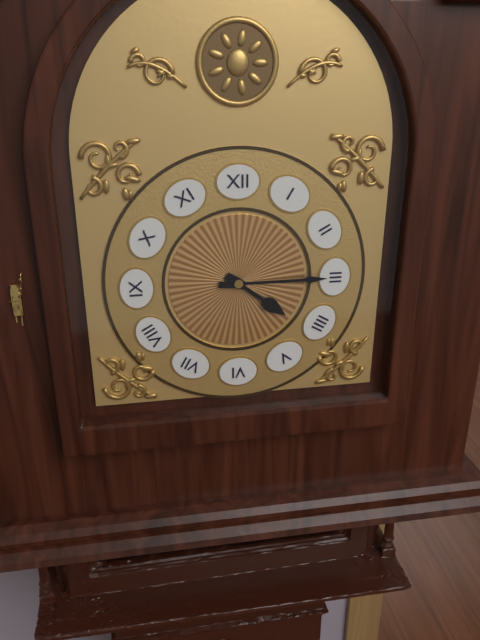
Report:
4:15
